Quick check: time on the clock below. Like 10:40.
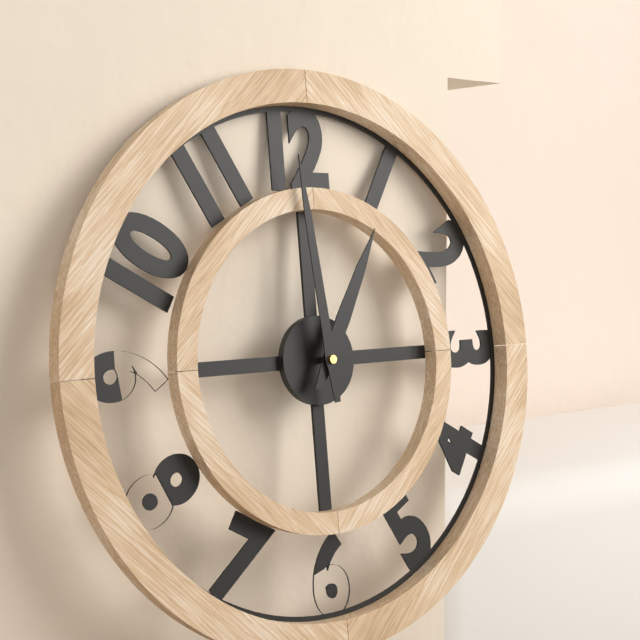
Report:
12:59
